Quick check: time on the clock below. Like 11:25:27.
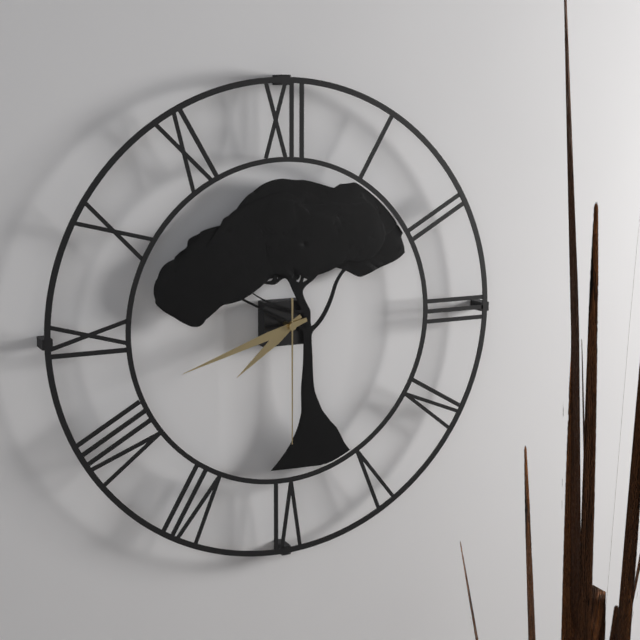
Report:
7:42:30
